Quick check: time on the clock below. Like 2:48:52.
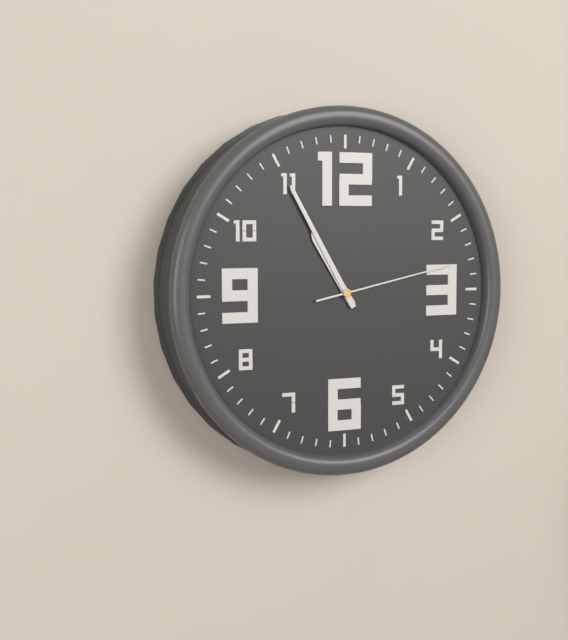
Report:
10:55:13
